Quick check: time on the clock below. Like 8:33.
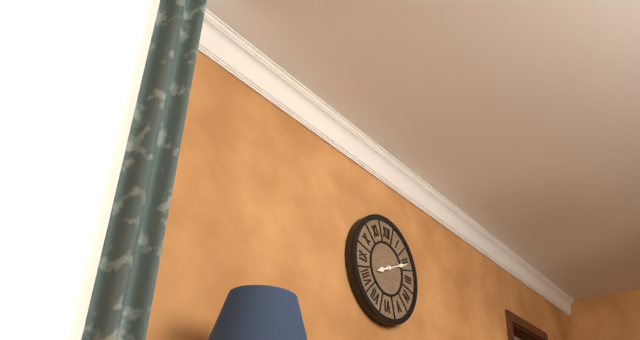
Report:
8:11
